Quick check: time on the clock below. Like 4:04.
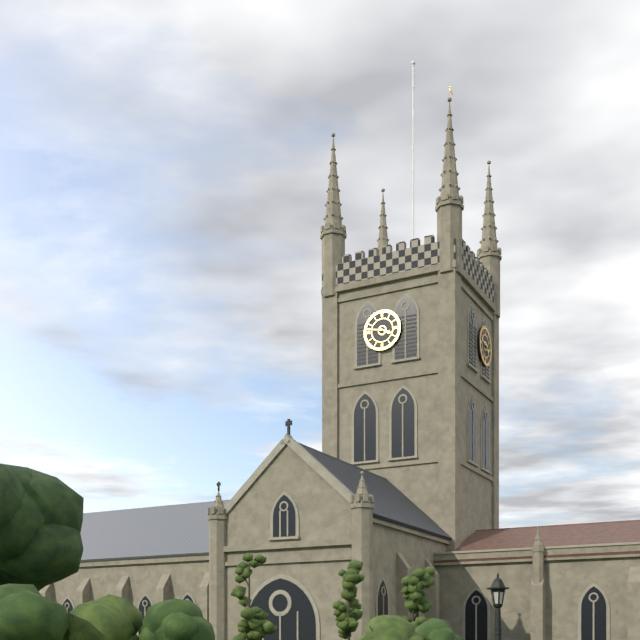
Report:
3:47
